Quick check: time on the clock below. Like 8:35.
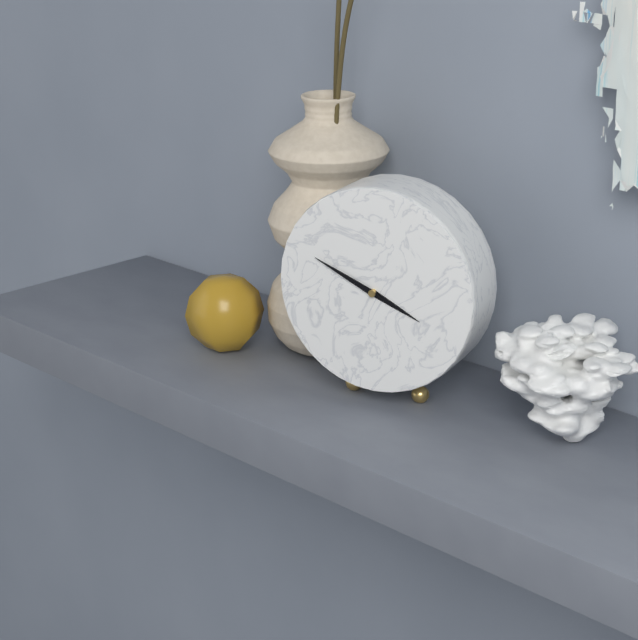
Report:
3:49
